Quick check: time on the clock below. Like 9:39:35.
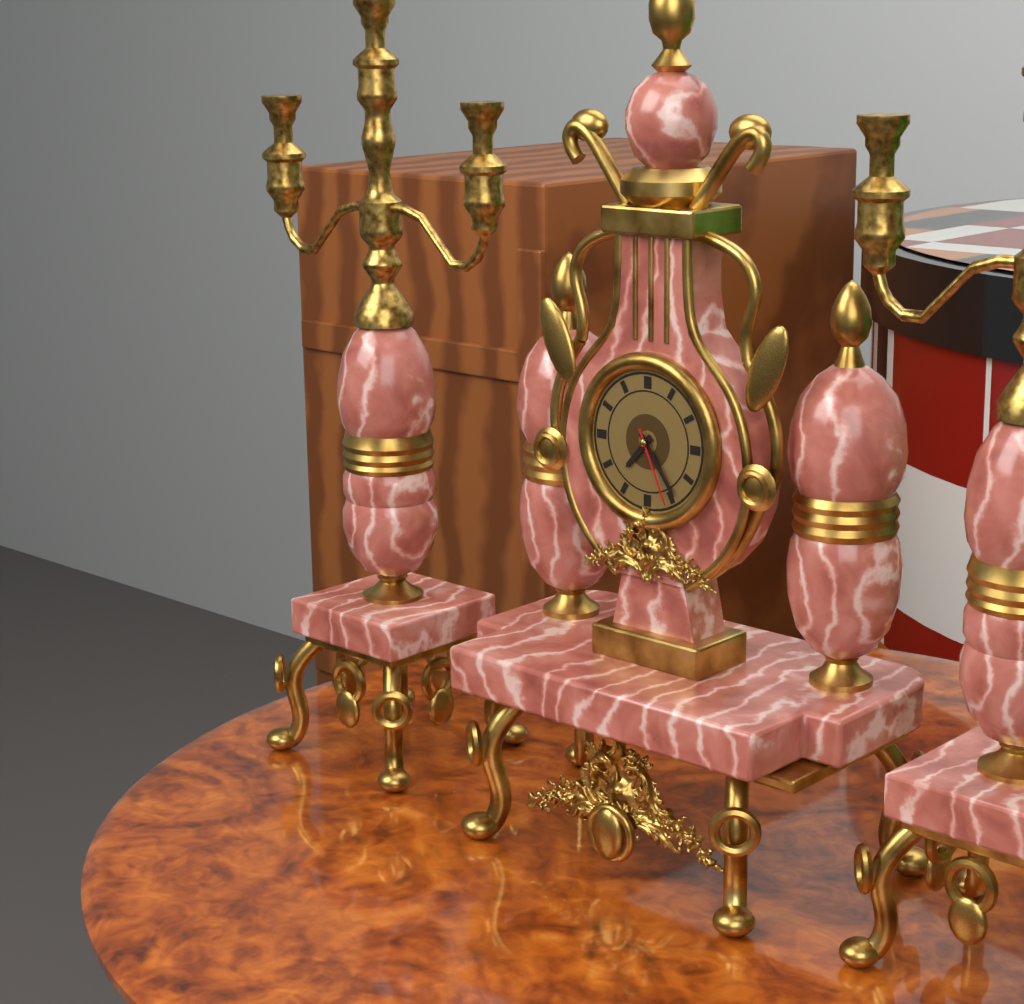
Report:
7:24:26
